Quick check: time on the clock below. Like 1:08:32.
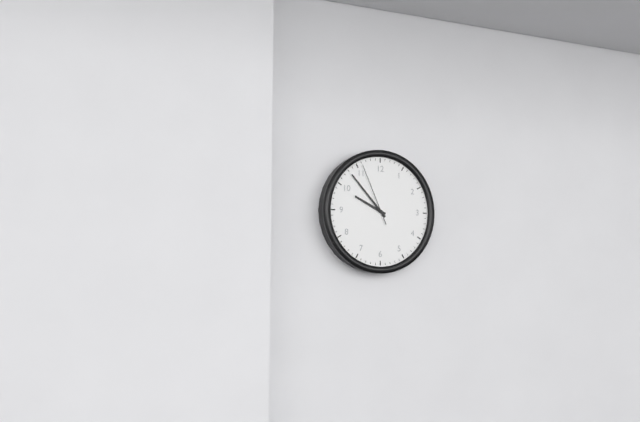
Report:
9:53:56
